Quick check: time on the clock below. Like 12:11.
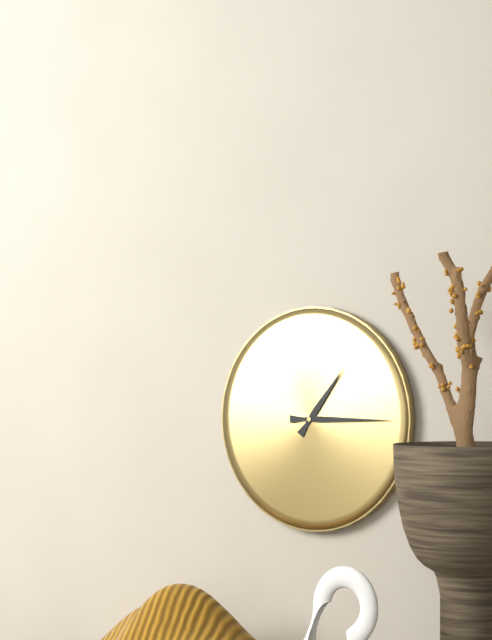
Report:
1:15
